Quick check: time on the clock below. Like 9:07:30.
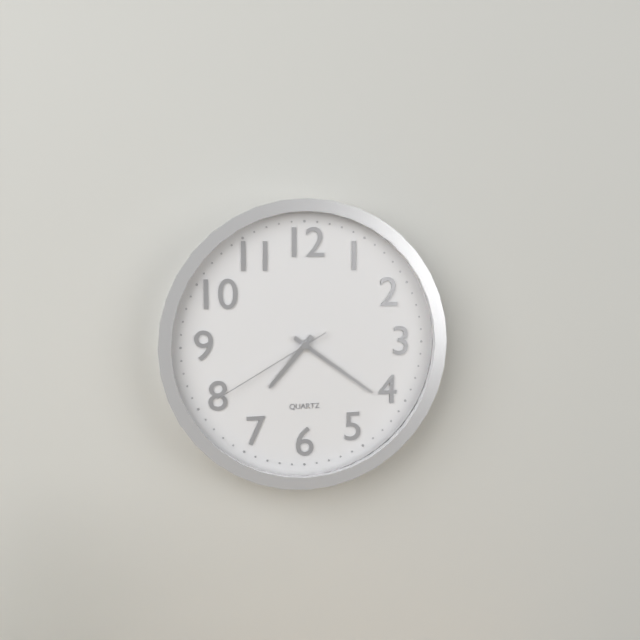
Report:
7:21:40
